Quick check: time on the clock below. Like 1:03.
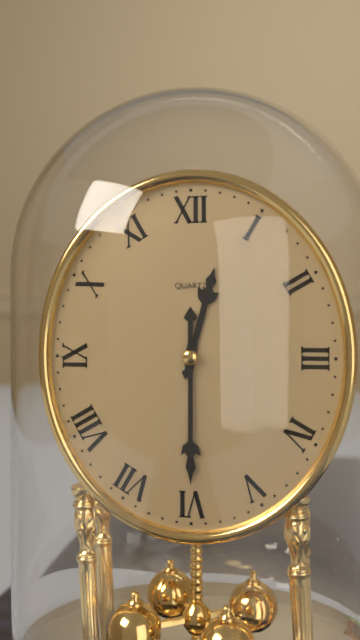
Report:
12:30
